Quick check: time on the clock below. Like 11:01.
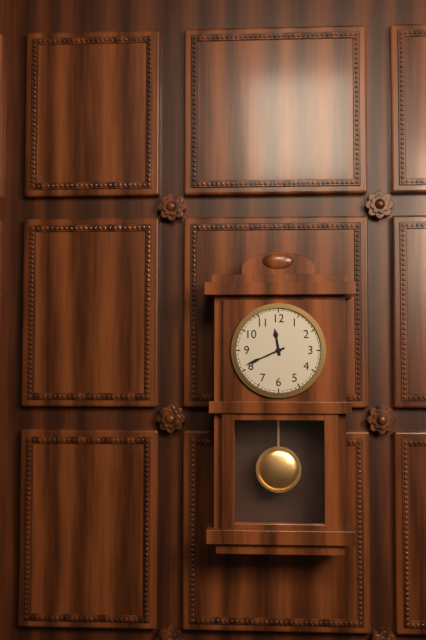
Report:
11:41
